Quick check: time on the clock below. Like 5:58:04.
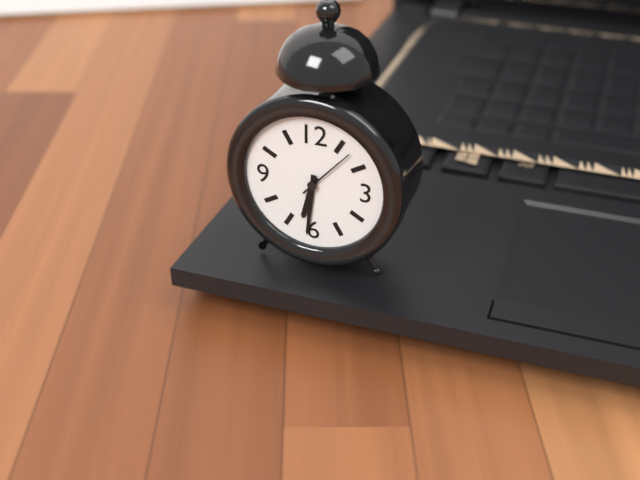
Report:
6:31:07
